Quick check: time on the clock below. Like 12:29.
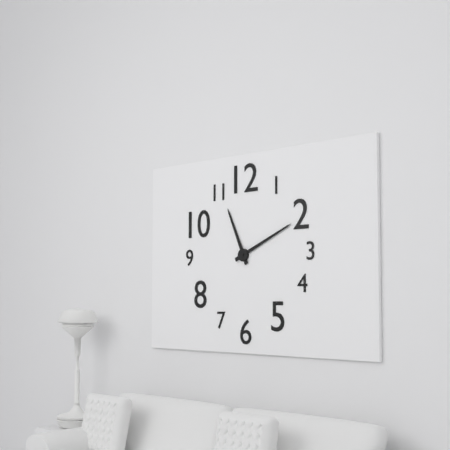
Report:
11:11
